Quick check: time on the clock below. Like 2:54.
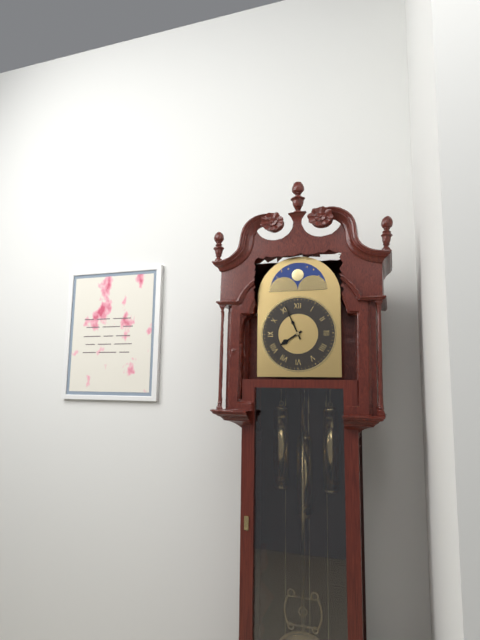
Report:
7:56
